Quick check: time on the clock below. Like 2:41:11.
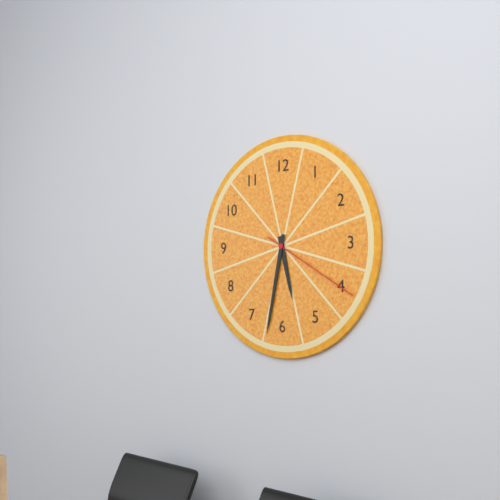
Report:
5:32:20
